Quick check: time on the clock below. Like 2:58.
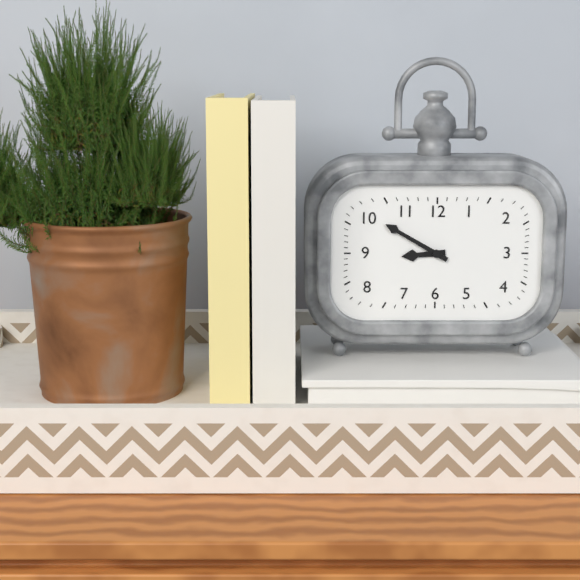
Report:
8:50
